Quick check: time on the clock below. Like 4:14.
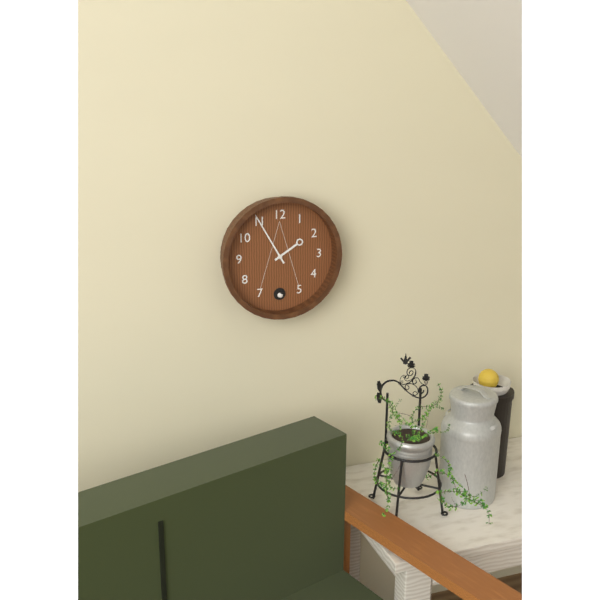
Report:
1:55
